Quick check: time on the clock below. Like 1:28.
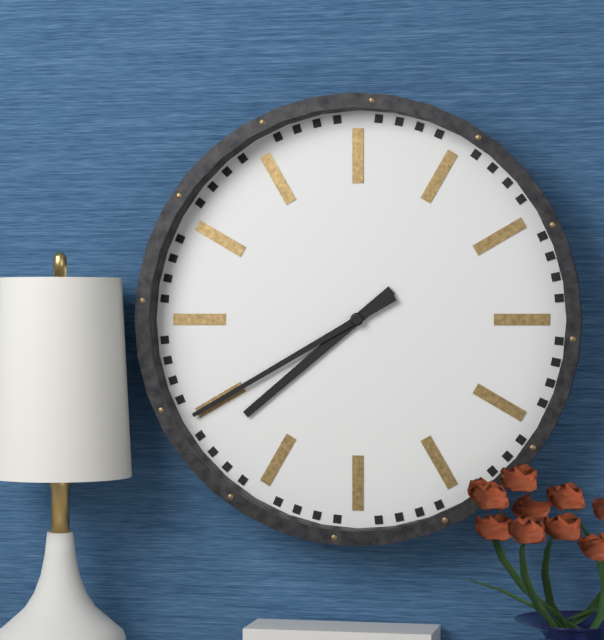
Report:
7:40
